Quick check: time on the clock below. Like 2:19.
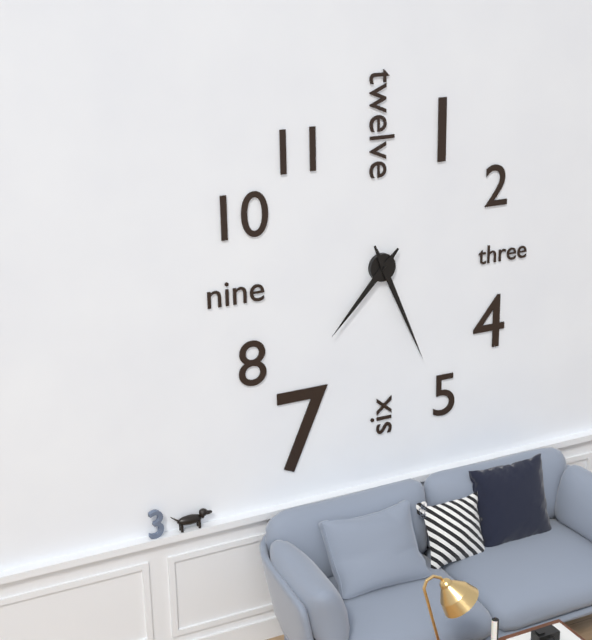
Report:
7:26
